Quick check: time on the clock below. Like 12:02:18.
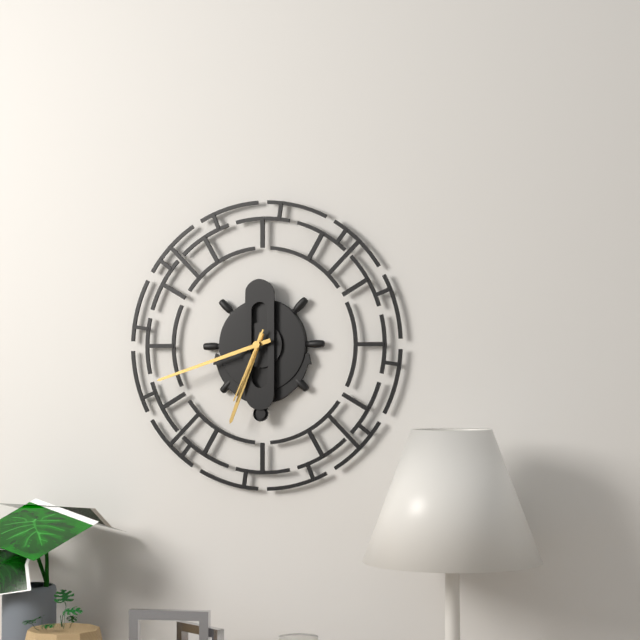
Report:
6:42:34
